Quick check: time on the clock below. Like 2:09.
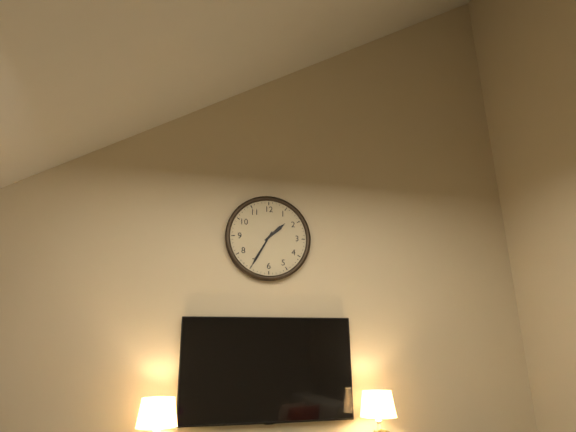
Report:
1:35
